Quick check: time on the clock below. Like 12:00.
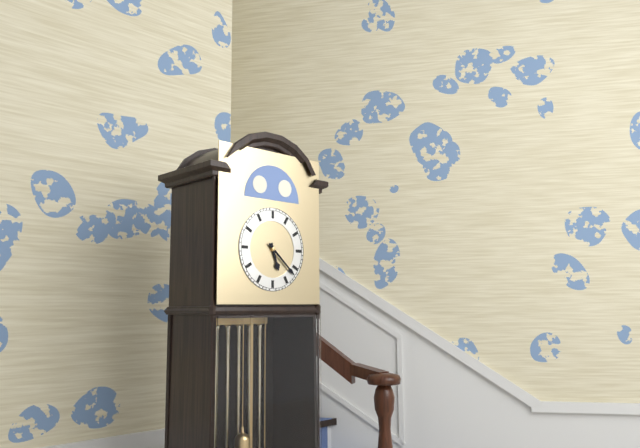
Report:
5:22
